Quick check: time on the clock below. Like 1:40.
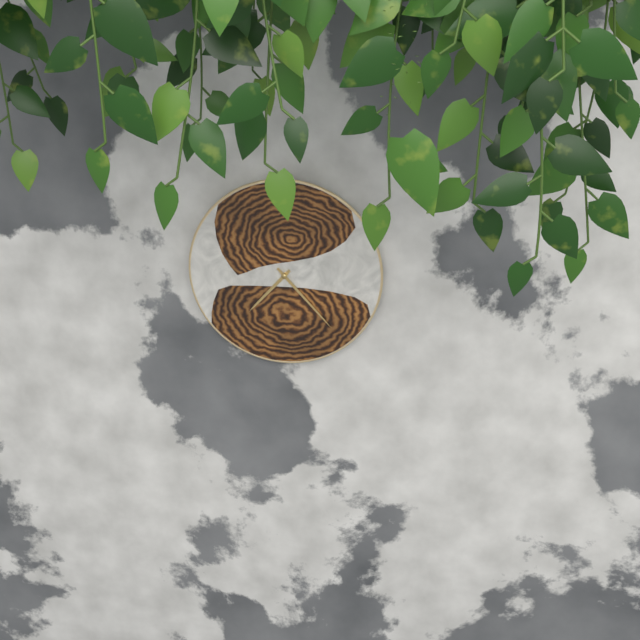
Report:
7:23
